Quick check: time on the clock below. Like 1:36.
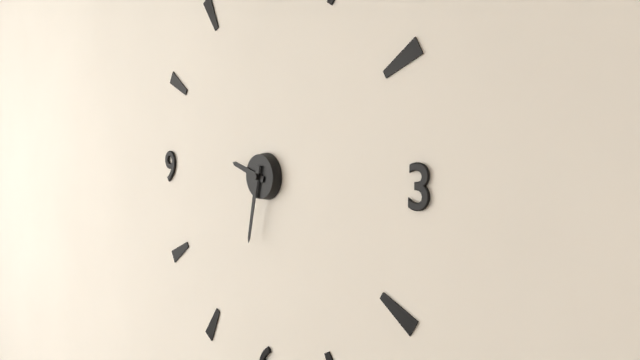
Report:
9:32
